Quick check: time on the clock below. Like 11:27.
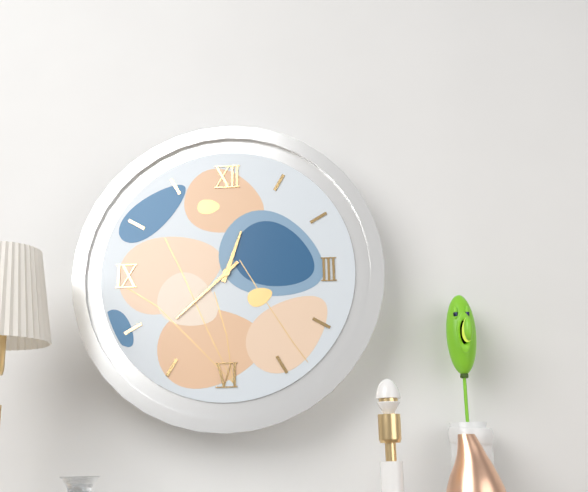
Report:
12:38
